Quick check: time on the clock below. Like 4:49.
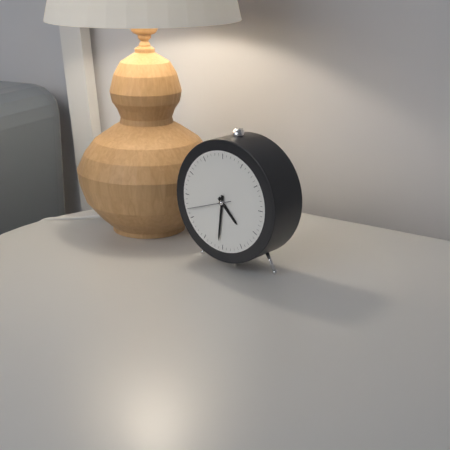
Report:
4:31
